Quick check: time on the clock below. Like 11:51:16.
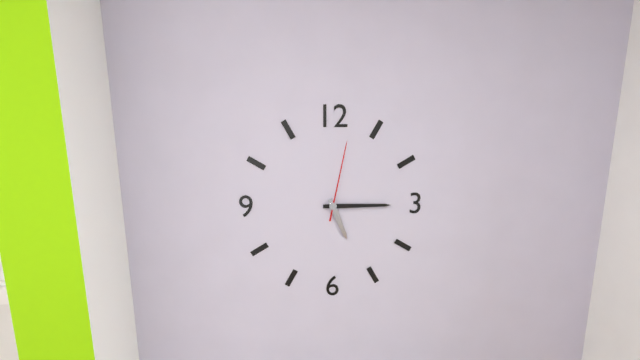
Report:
5:15:02
